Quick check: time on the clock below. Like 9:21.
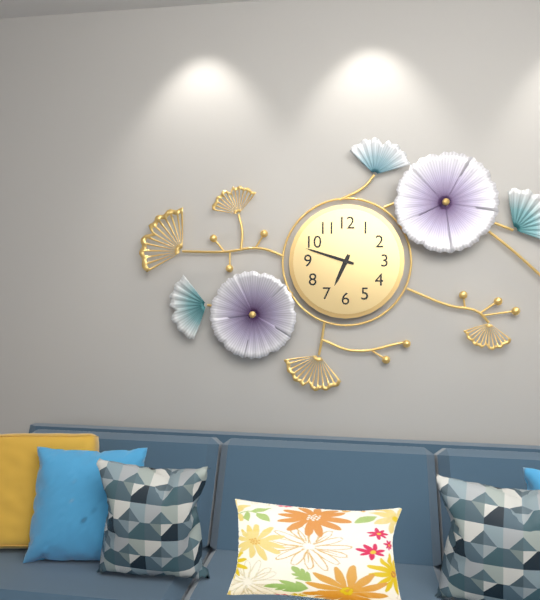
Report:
6:48
